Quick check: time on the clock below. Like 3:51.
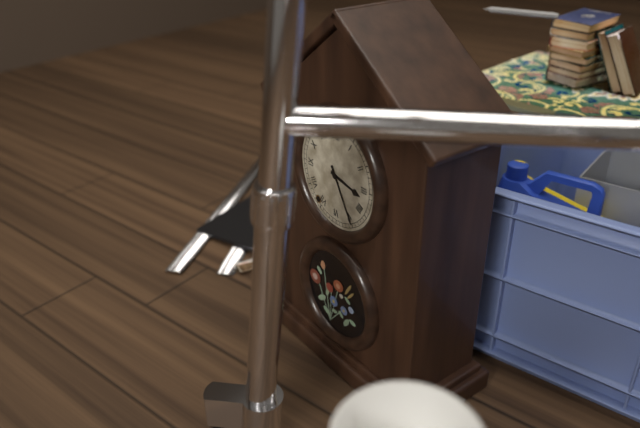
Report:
3:25
